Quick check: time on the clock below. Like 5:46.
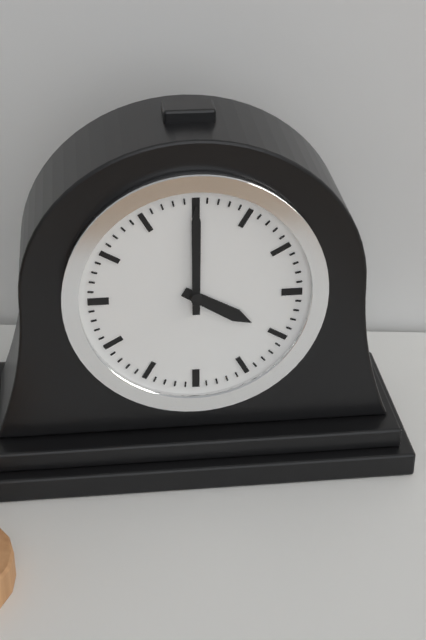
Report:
4:00
